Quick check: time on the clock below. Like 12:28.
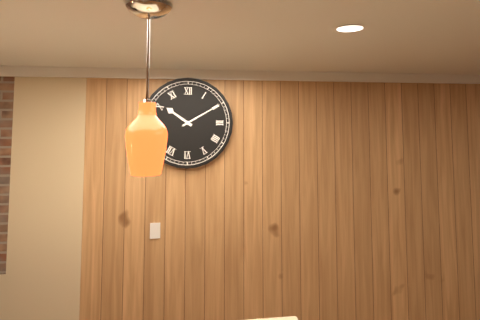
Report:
10:10
